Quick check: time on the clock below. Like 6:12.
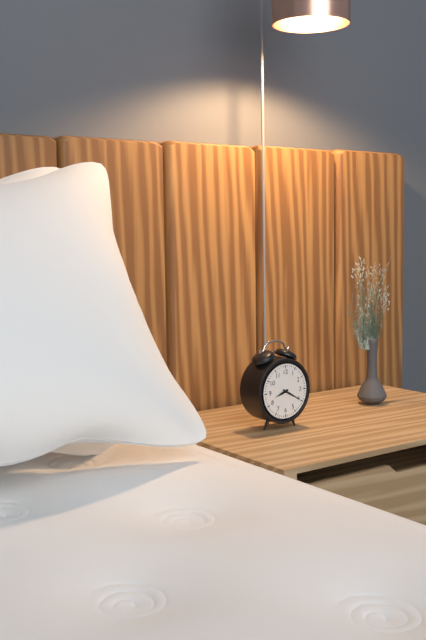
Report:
8:20
